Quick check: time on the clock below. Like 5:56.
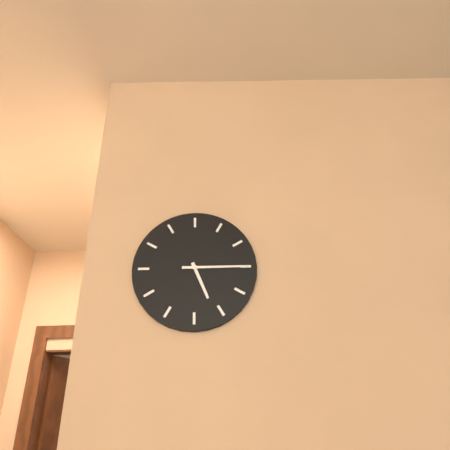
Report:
5:15
